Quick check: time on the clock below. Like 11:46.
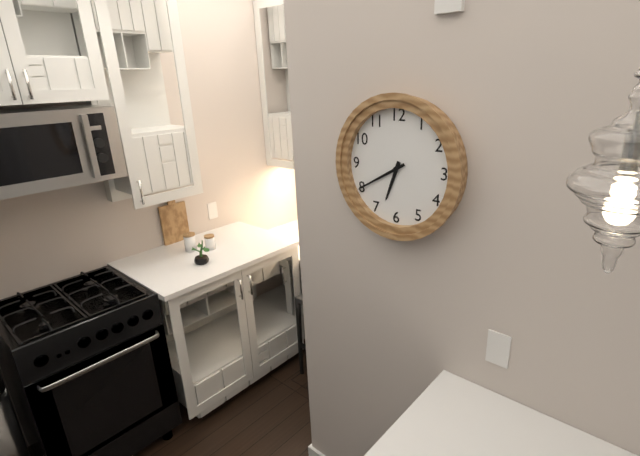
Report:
6:40
